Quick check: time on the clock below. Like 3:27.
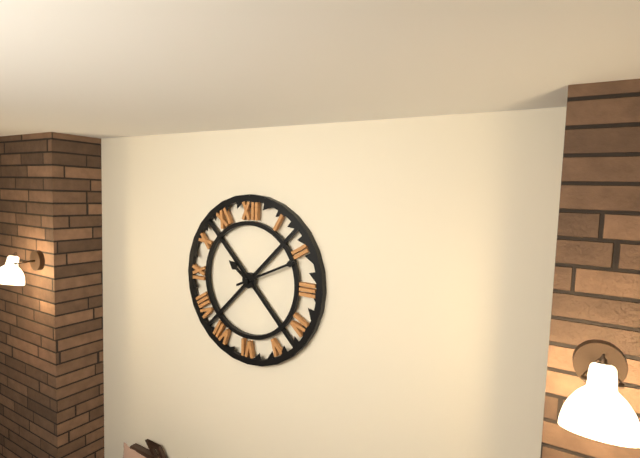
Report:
10:11
